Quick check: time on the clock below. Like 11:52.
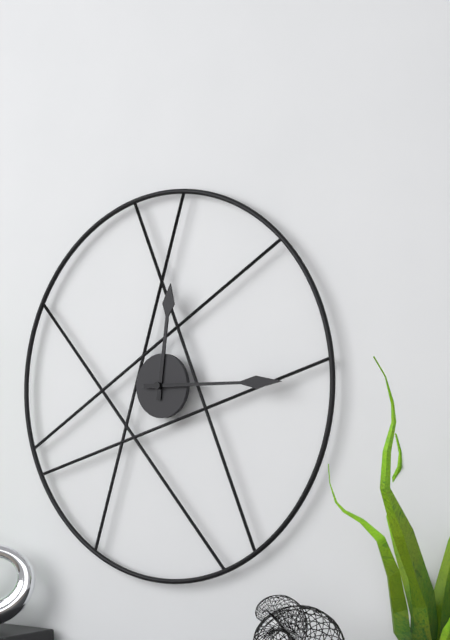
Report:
12:15
